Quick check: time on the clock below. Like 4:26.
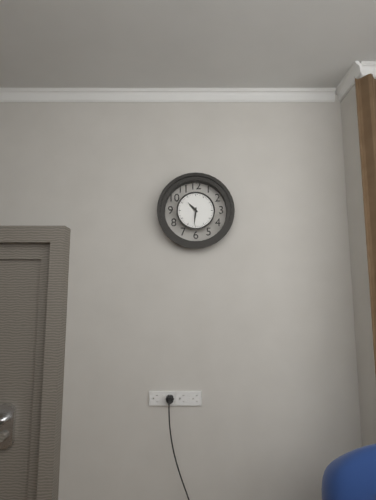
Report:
10:31
